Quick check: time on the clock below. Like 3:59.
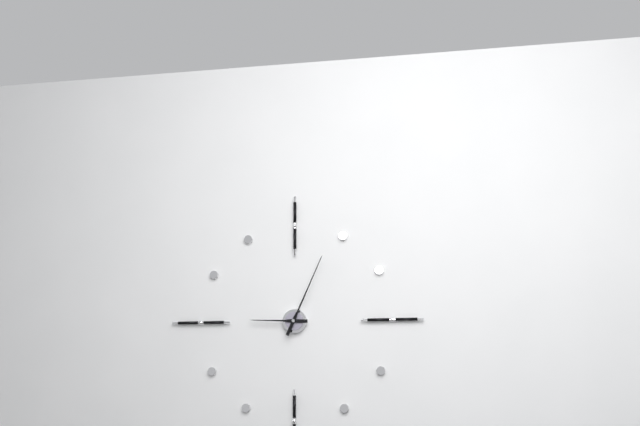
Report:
9:04
